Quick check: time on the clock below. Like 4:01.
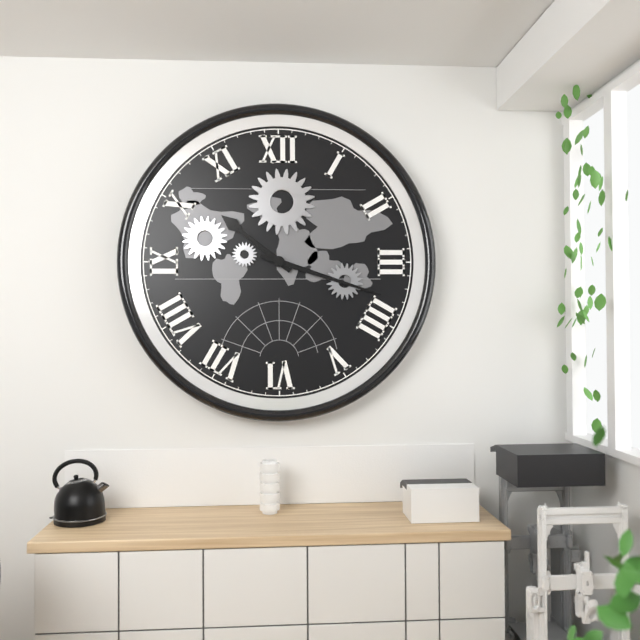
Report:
10:18
